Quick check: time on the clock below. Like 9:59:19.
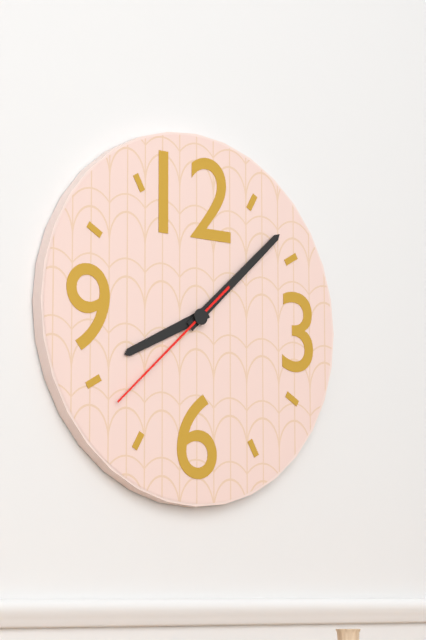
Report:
8:08:38
